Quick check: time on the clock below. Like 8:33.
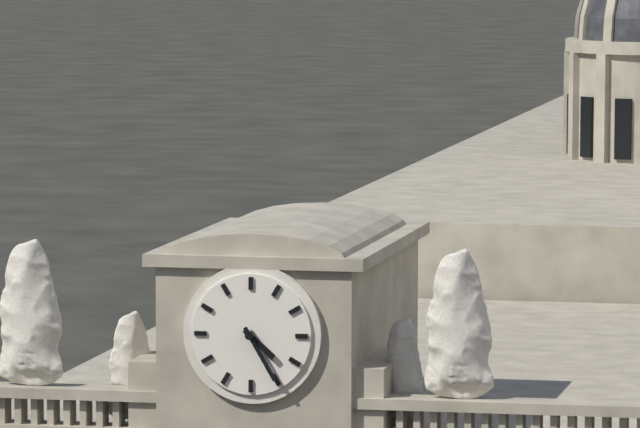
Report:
4:25
